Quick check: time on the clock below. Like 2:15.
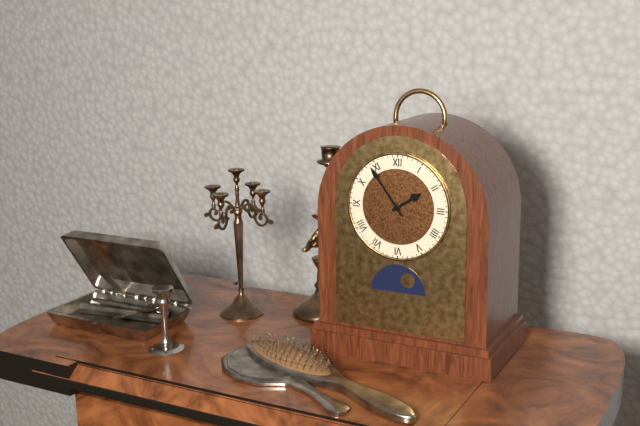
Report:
1:54
